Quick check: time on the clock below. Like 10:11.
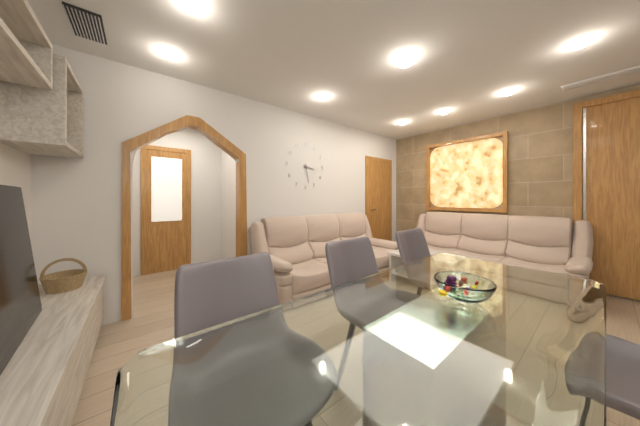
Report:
3:28
